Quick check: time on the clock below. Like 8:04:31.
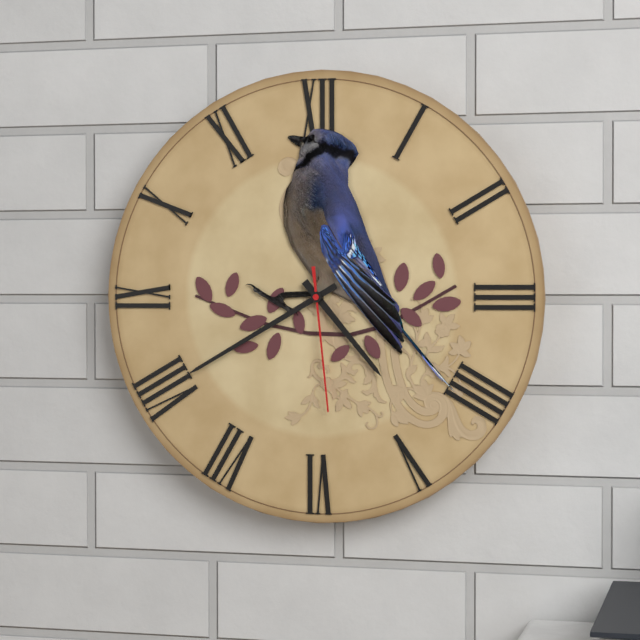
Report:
4:40:29
